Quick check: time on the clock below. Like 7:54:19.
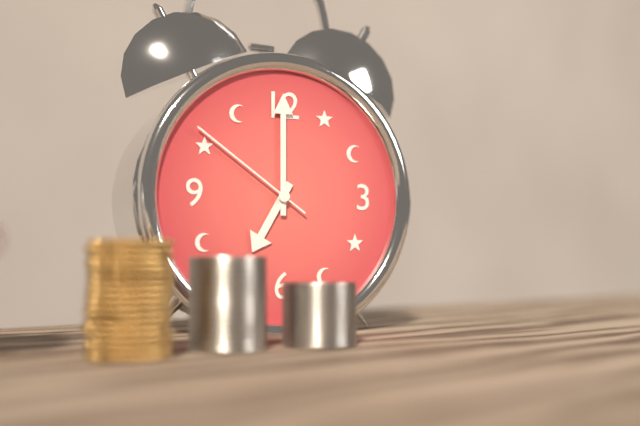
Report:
7:00:51
